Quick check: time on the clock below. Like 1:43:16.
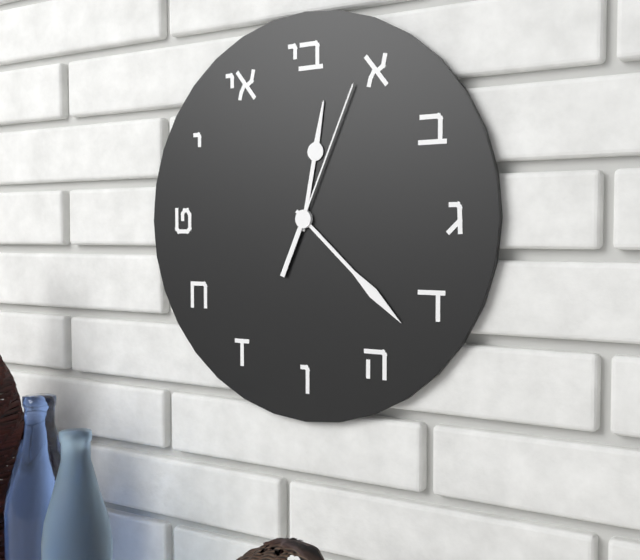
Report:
12:22:04
